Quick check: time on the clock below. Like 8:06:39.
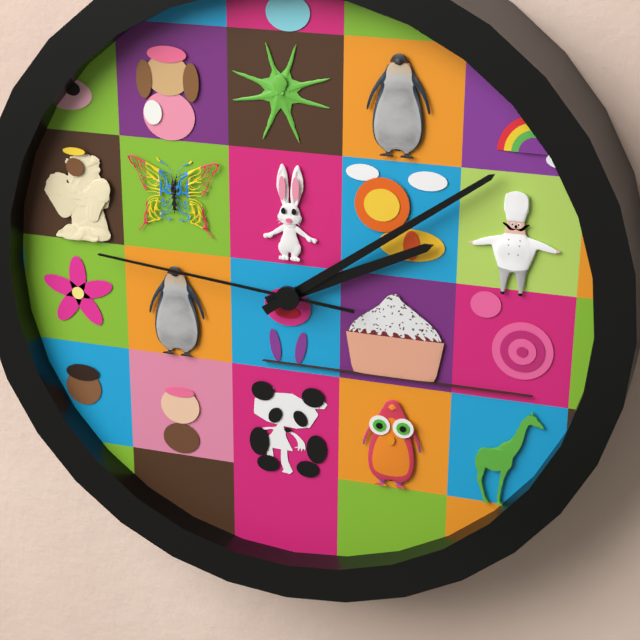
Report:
2:09:46
